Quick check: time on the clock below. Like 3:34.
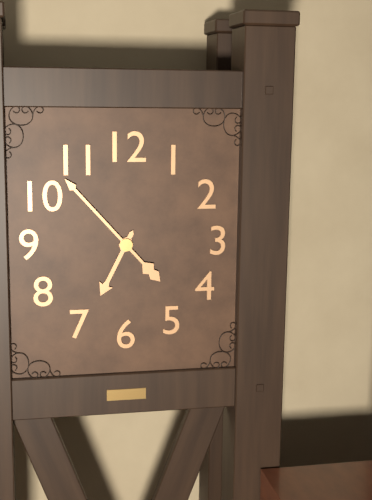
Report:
6:53
